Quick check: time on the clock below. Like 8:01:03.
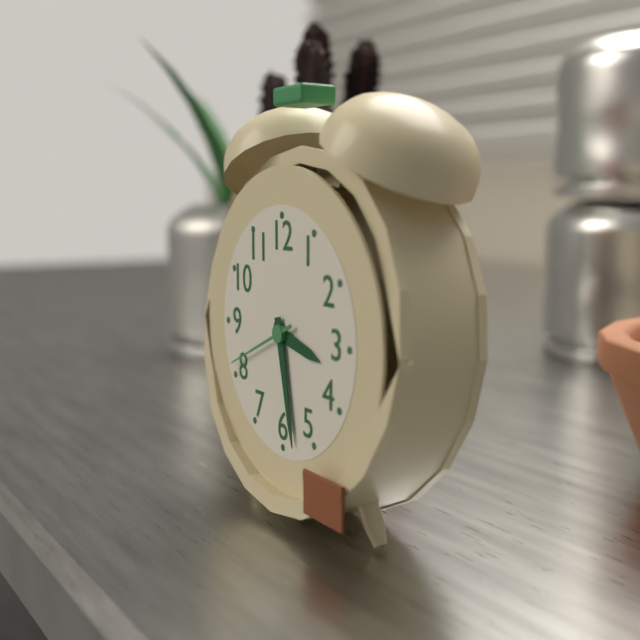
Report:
3:28:41
